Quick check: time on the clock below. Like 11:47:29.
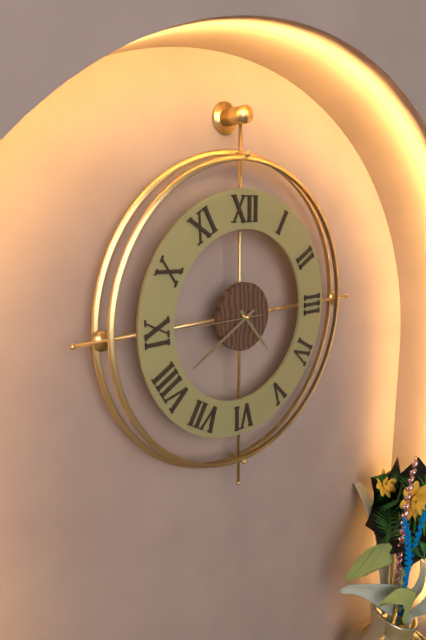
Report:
4:40:45
